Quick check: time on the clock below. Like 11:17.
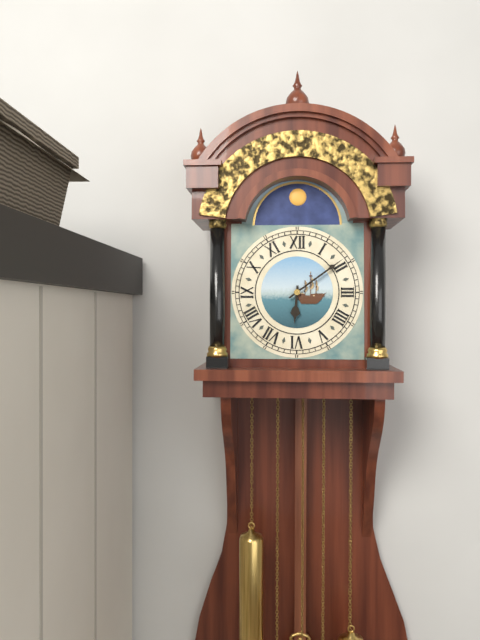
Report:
6:09
